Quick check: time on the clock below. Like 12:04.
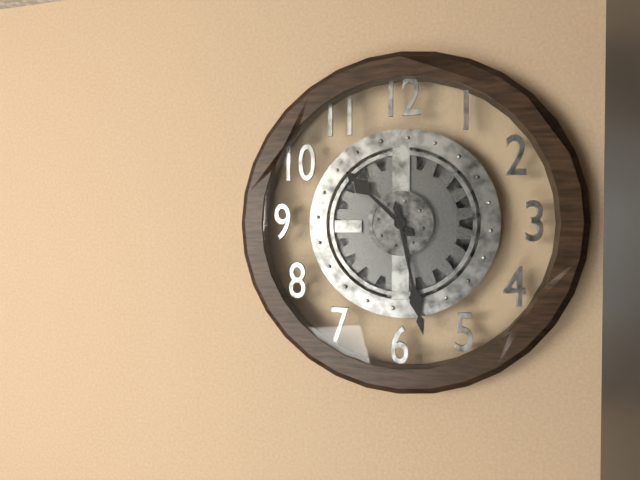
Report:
10:28
